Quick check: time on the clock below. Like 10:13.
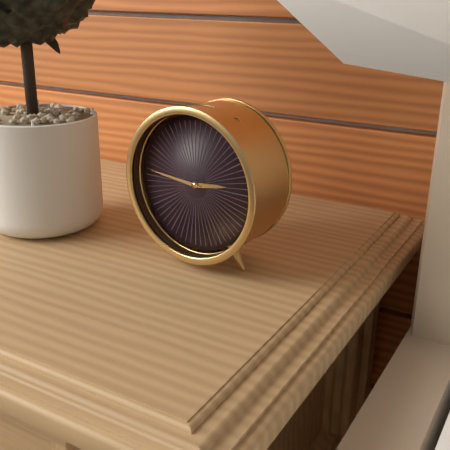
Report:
2:46
